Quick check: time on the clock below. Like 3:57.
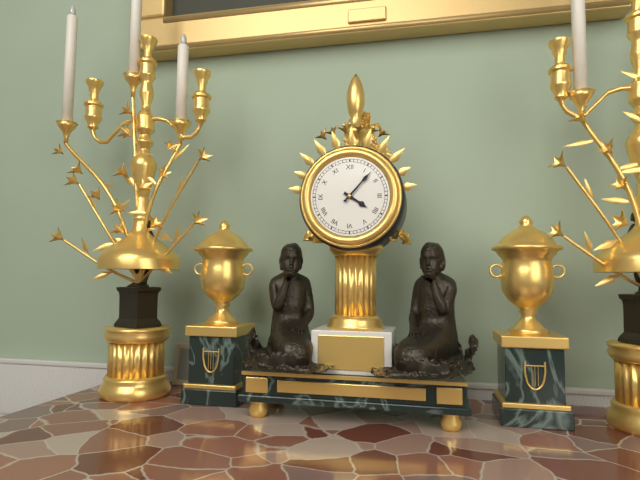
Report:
4:07
